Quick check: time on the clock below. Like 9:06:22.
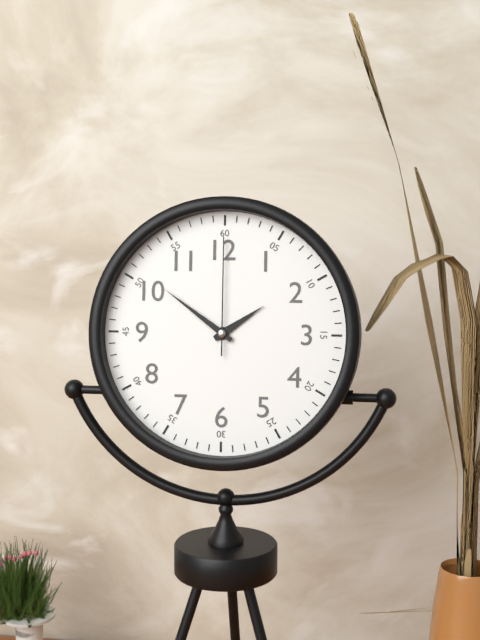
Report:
1:51:00
